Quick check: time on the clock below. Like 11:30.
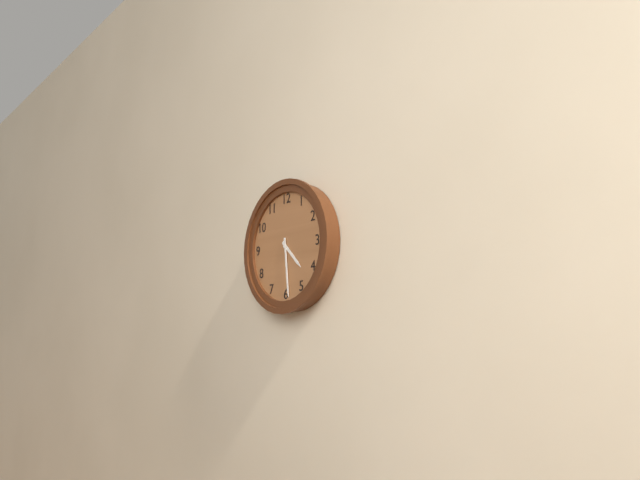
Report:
4:29
